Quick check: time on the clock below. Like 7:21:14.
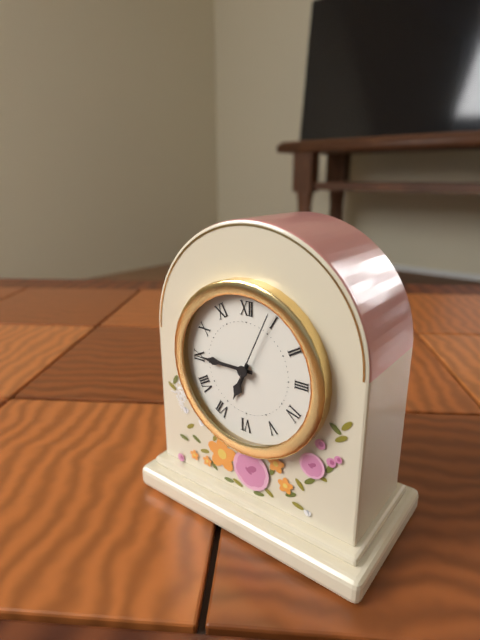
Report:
6:45:04
